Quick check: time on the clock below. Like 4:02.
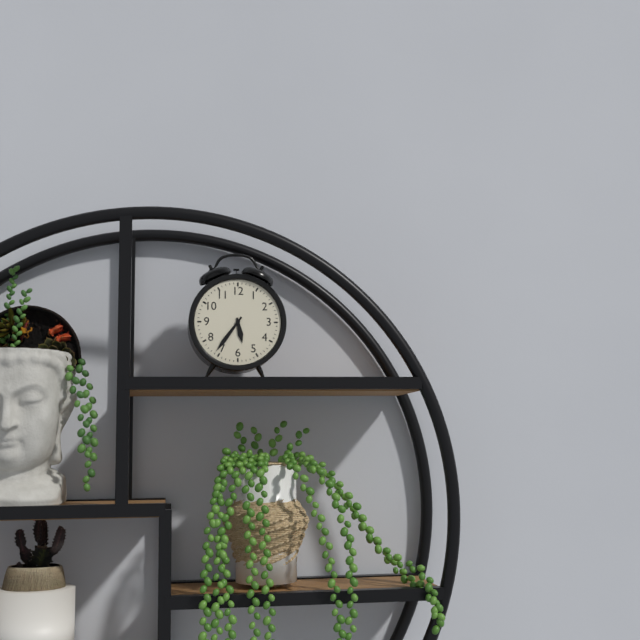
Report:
5:36
